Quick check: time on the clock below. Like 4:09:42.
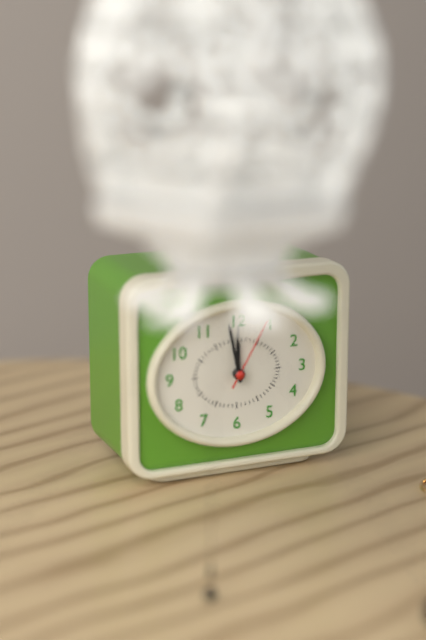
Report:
11:58:05
